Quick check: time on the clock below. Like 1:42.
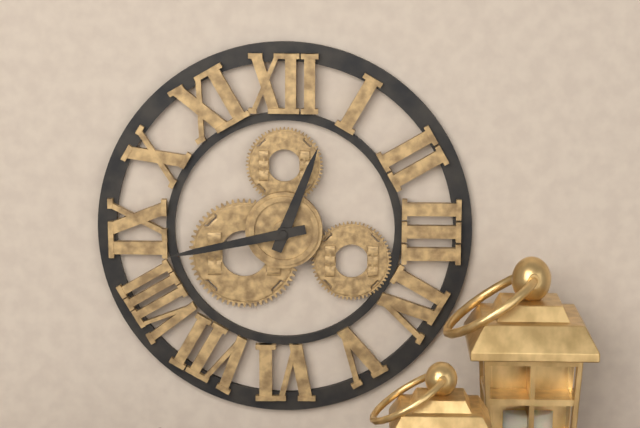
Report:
12:43
